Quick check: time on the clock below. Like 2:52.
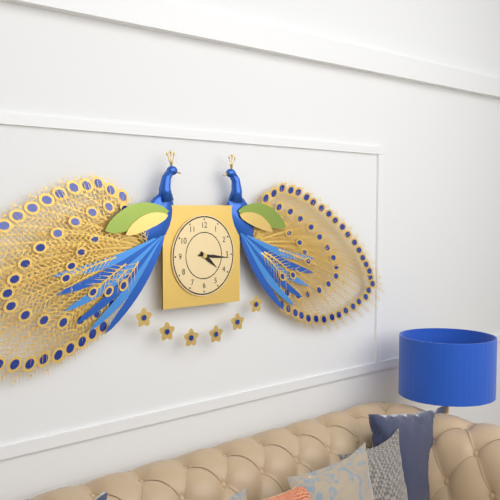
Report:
4:16
